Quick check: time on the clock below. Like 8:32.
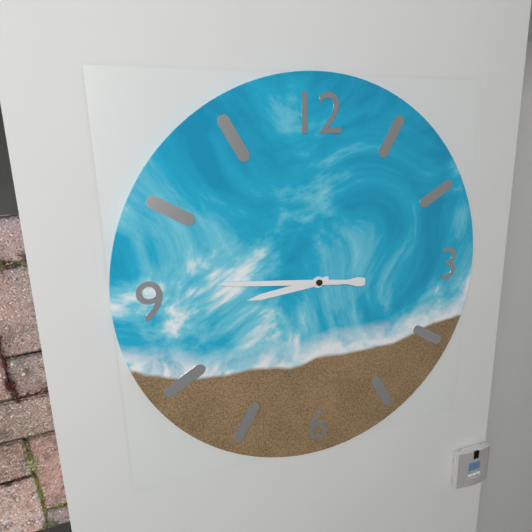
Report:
8:46
